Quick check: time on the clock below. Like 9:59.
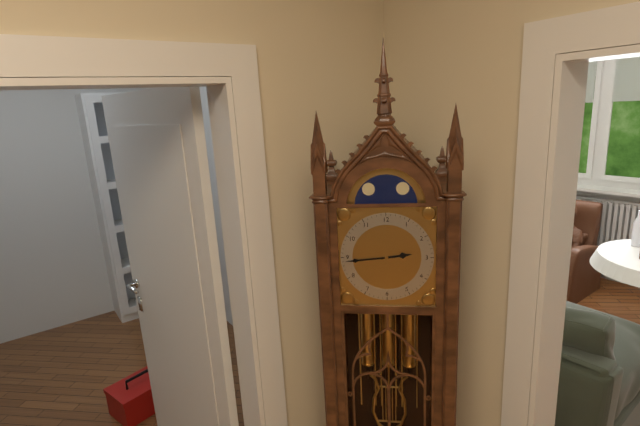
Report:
2:44
